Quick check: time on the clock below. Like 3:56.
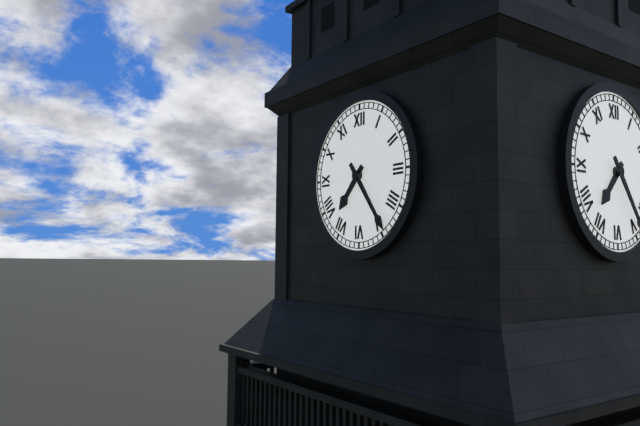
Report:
7:24
